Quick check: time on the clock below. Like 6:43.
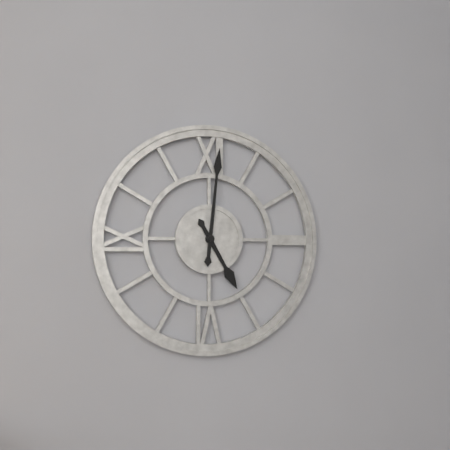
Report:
5:01
